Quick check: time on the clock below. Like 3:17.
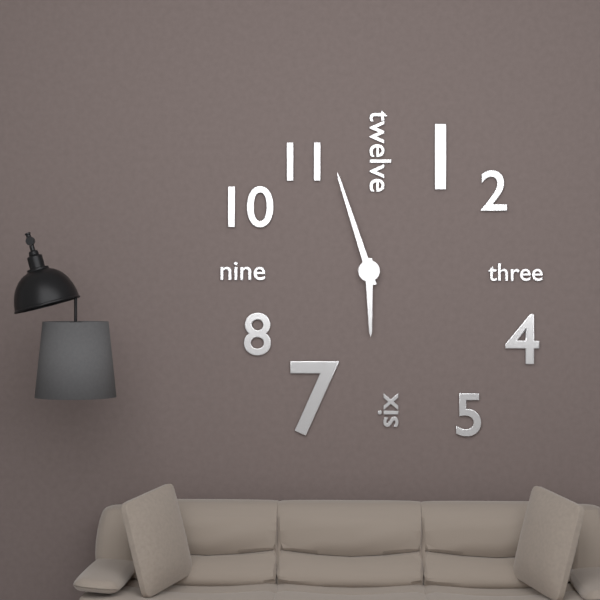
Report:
5:57
